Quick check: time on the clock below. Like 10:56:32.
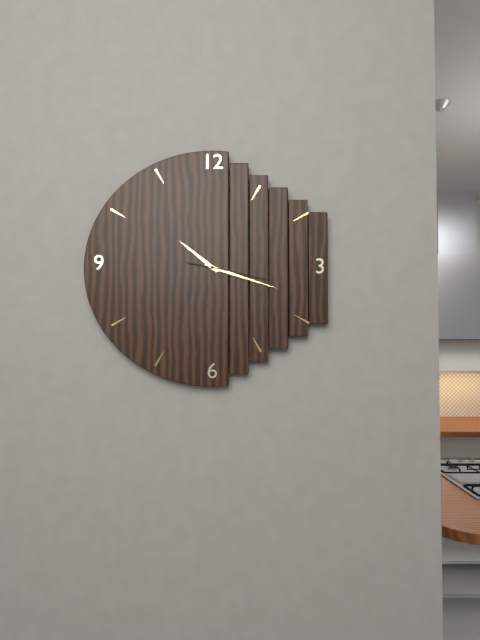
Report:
10:18:17
